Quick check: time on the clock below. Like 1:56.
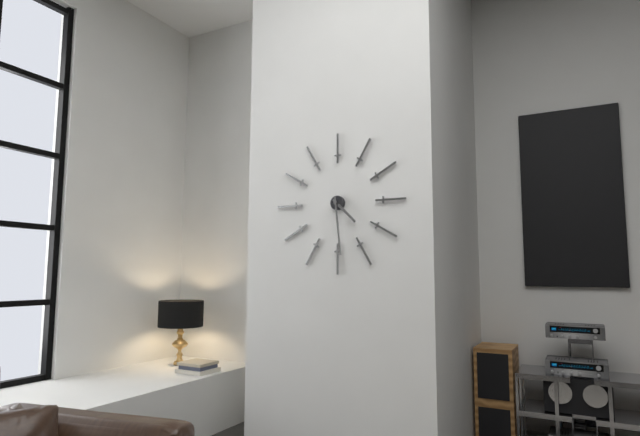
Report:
4:29
